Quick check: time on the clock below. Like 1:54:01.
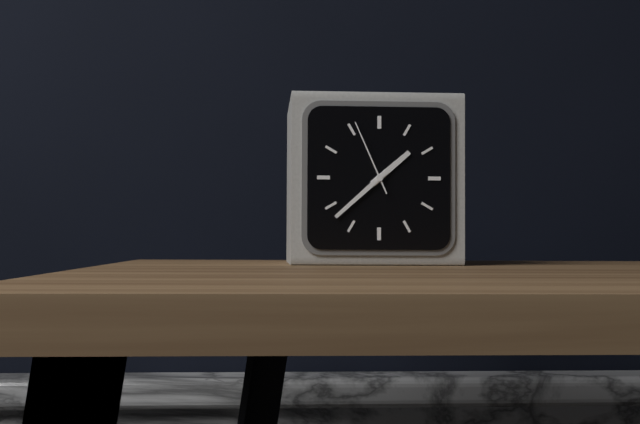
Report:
1:38:56
